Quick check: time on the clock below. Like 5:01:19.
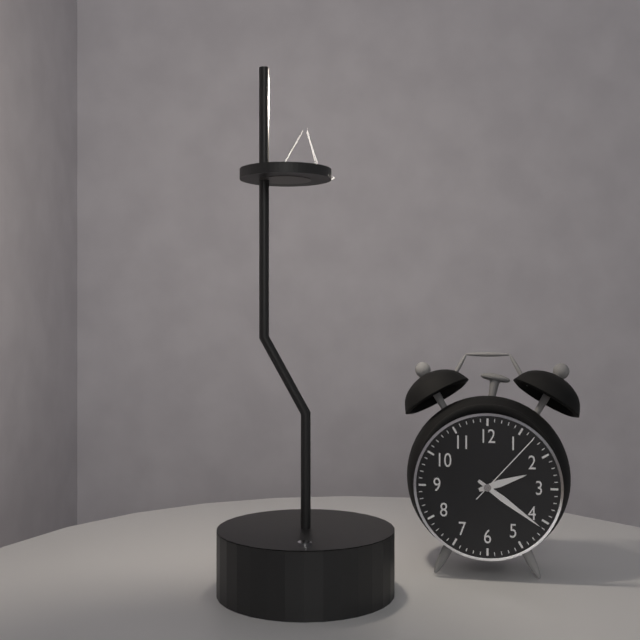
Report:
2:21:07
